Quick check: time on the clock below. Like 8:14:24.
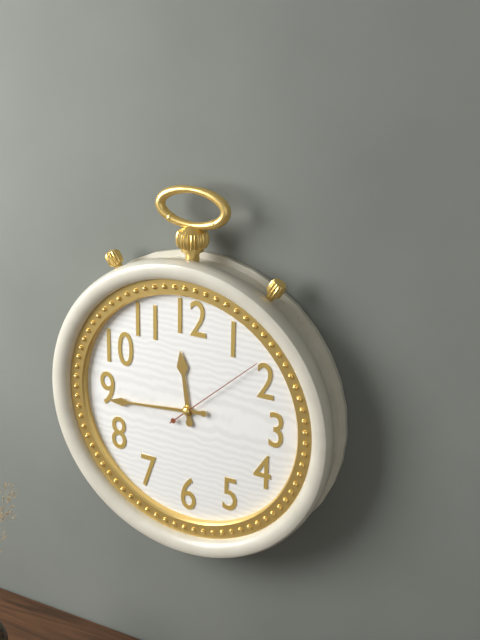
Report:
11:44:08
